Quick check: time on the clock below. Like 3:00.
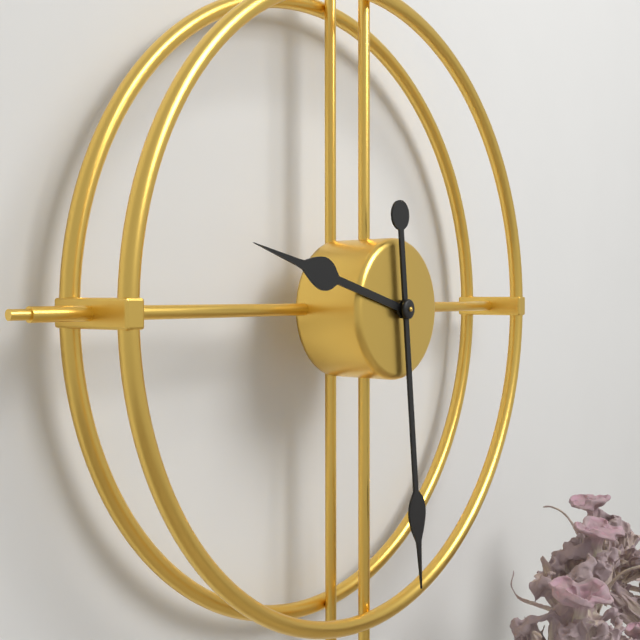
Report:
9:29
